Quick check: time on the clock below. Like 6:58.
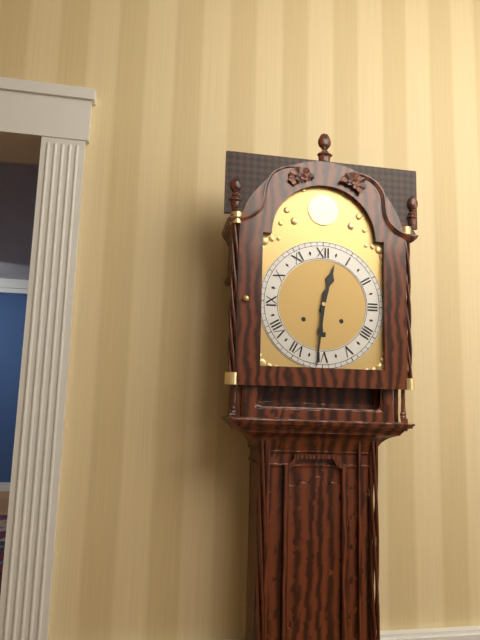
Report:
12:31
